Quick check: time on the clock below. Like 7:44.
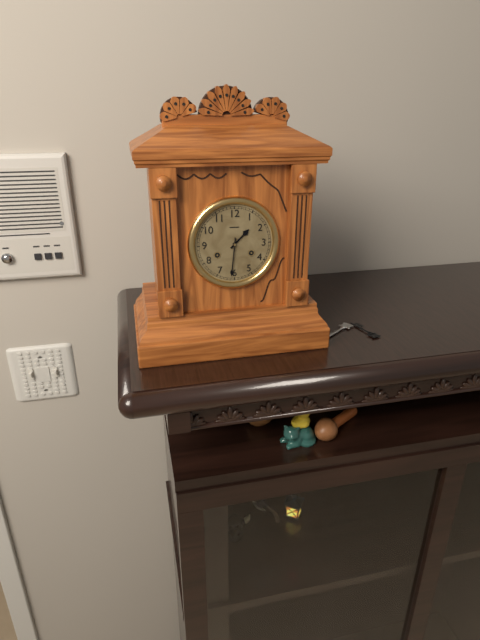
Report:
1:31
